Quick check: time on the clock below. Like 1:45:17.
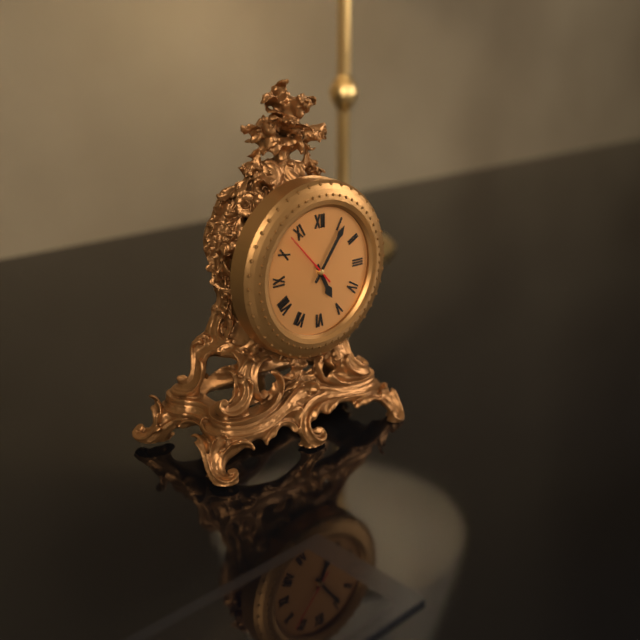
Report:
5:06:53
